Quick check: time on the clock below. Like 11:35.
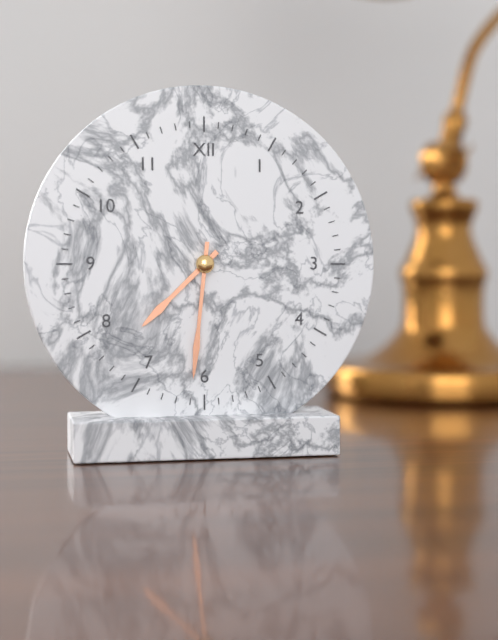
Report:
7:31
